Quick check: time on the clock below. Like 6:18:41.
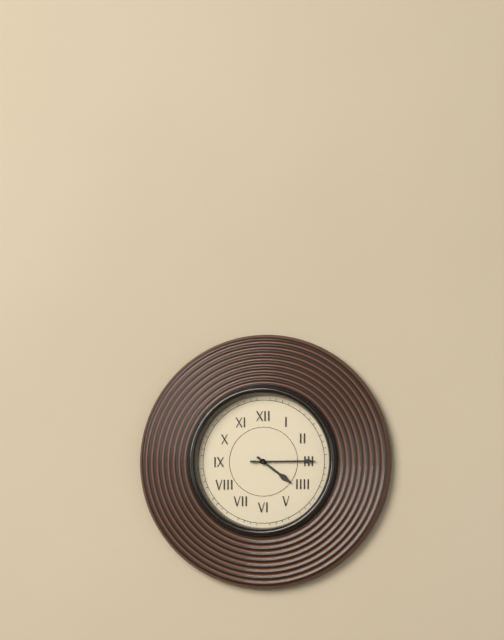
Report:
4:15:15
